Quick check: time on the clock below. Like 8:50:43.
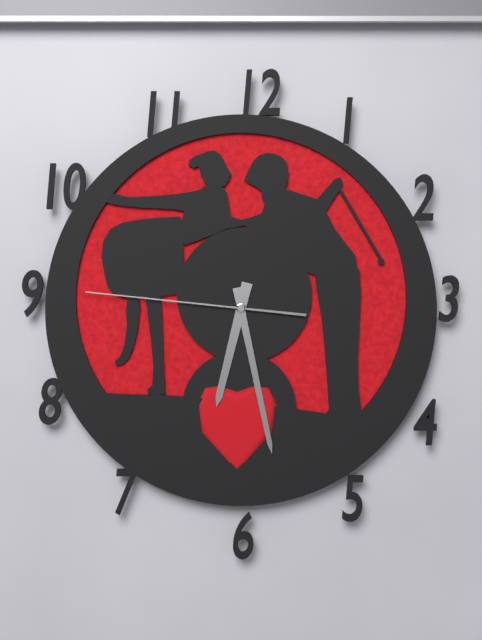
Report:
6:28:46
